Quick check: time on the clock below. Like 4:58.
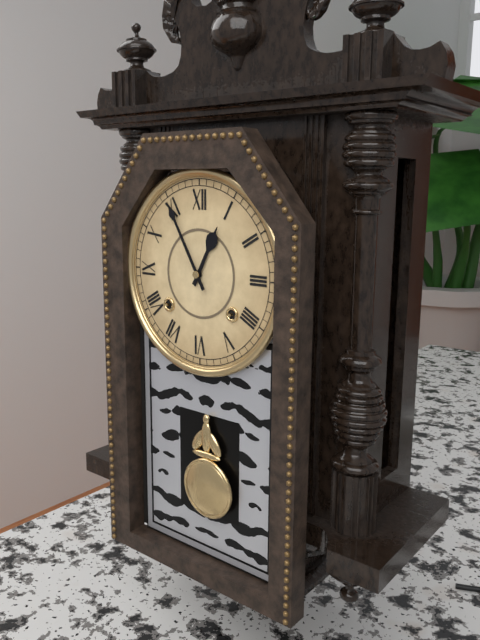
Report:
12:55
